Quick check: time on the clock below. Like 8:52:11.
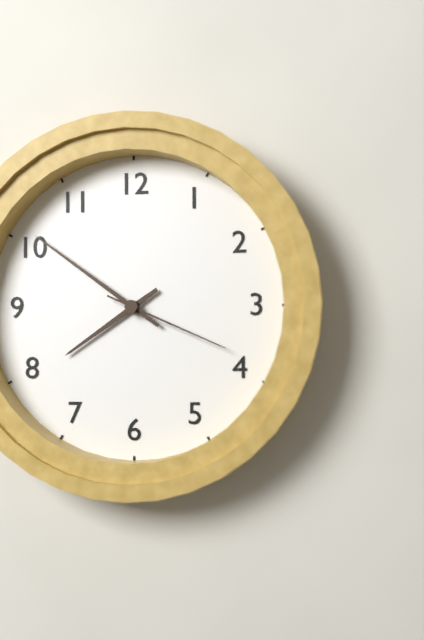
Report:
7:51:19
